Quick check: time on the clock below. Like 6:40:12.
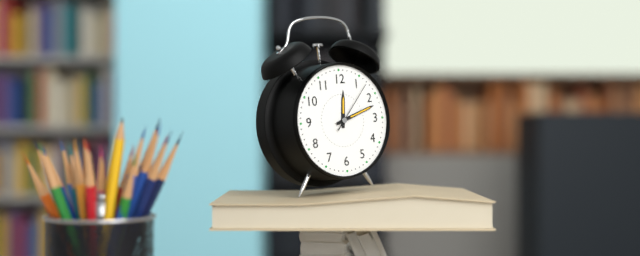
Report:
12:12:07
